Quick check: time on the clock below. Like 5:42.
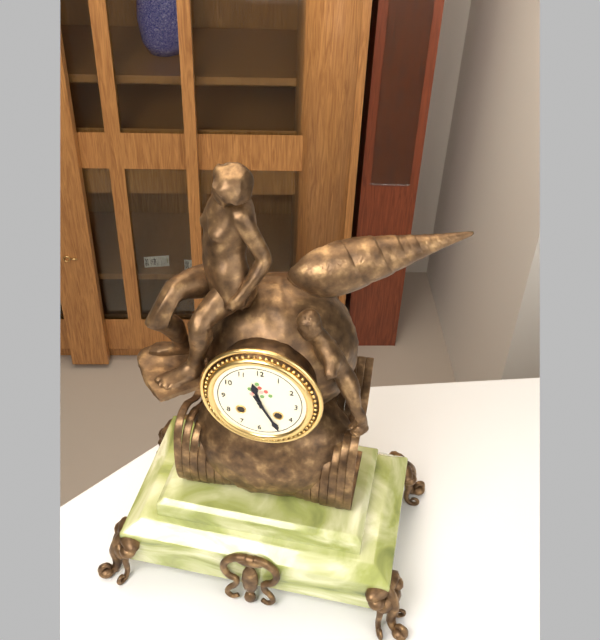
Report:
11:25
